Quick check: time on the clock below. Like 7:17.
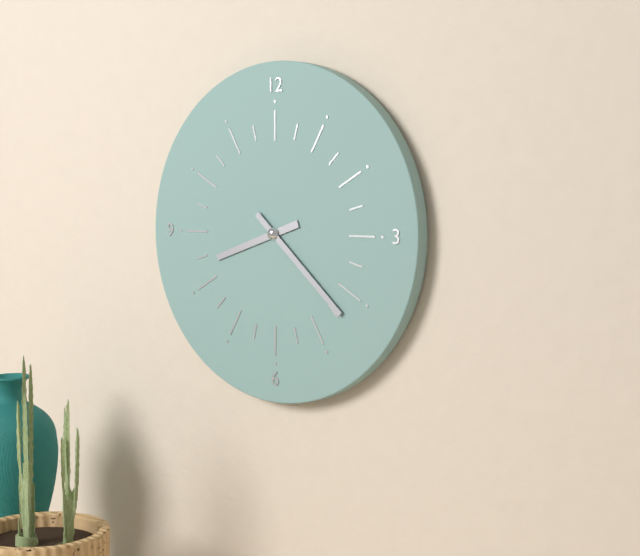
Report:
8:22
